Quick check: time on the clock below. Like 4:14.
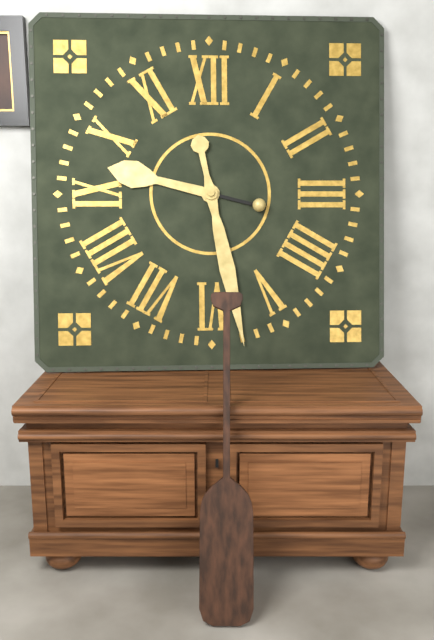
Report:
9:28
